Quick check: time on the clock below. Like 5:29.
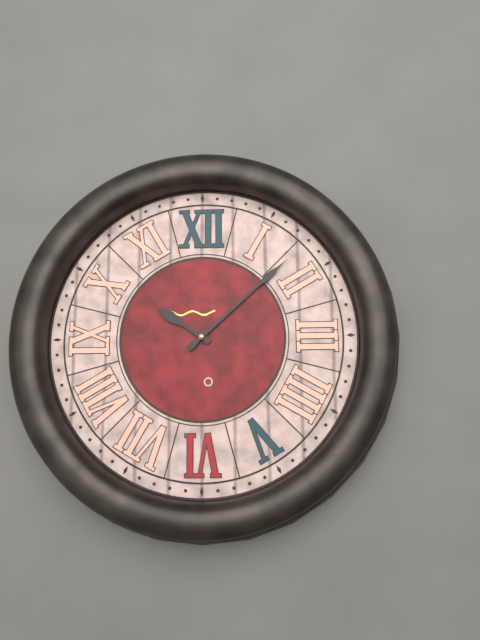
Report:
10:08
